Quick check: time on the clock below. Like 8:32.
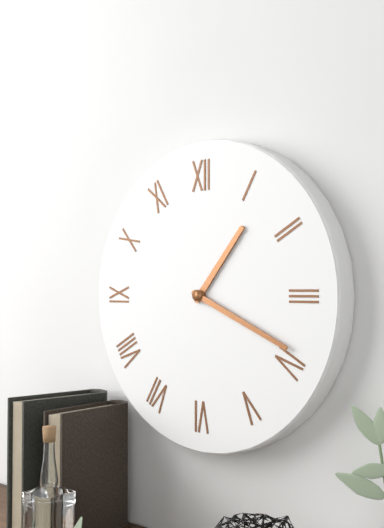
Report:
1:19
